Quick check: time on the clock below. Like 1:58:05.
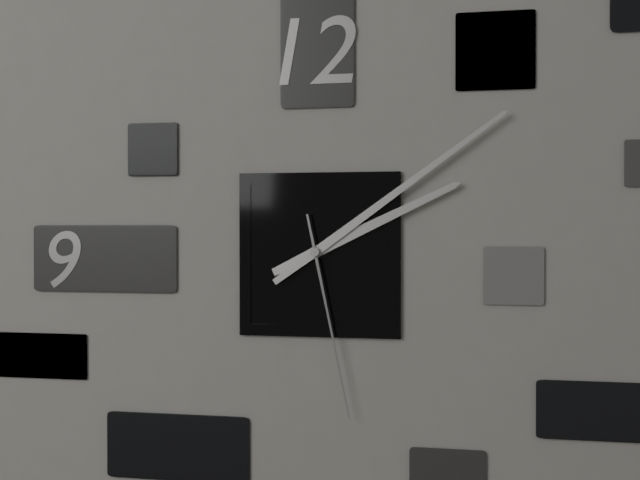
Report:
2:09:28
